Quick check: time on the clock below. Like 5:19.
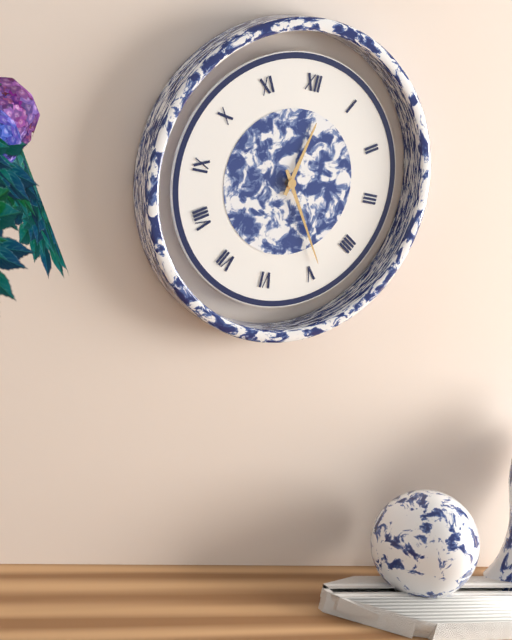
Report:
12:24
